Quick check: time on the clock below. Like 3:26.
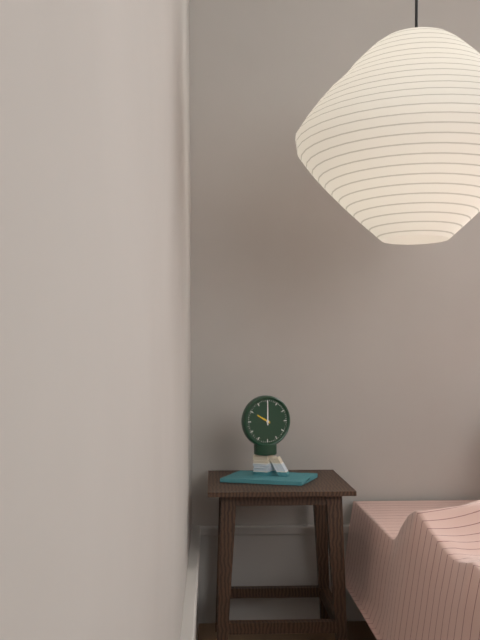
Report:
10:00
